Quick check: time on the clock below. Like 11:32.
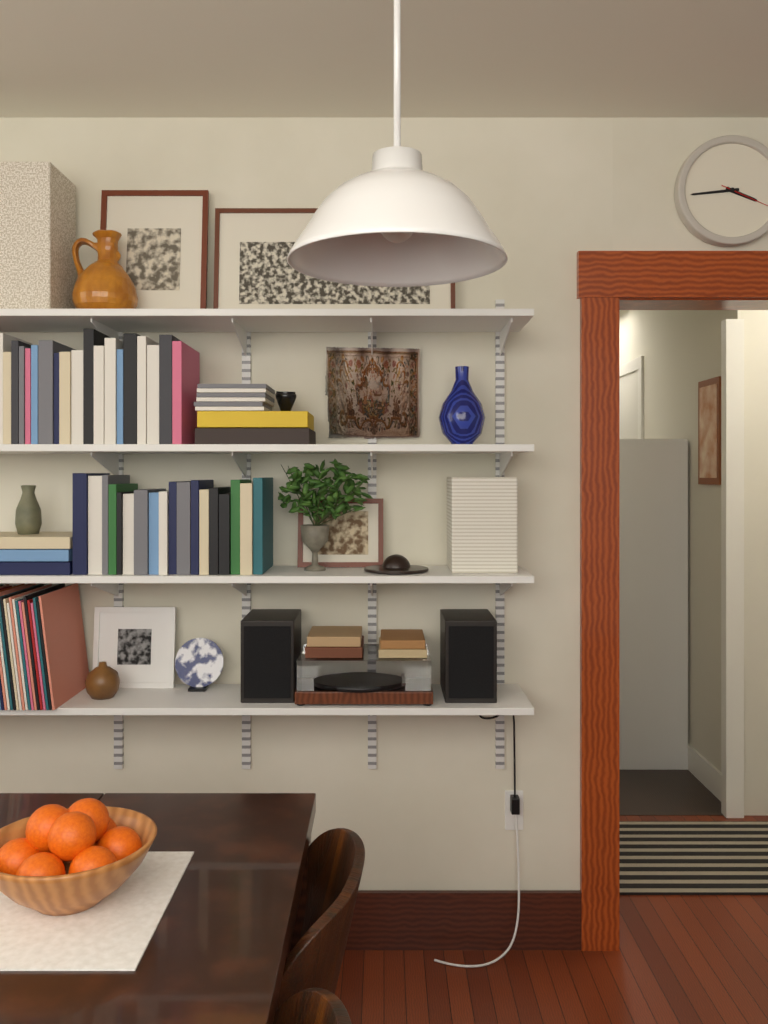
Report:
3:44
